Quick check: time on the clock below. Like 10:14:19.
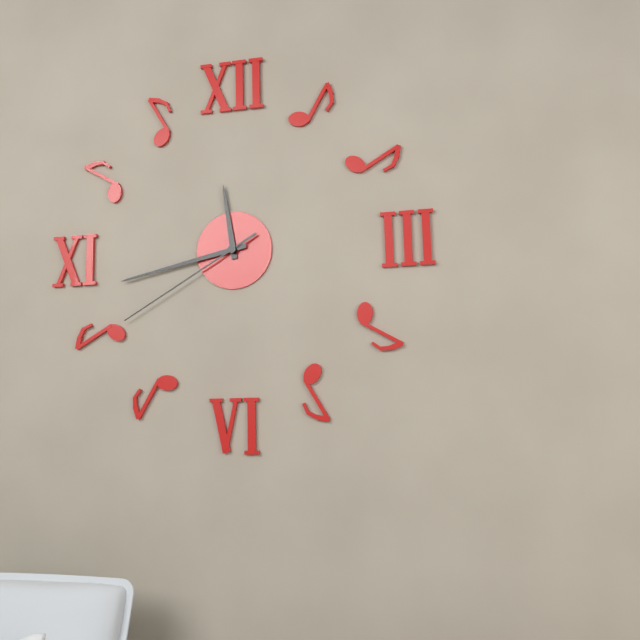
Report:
11:43:40
